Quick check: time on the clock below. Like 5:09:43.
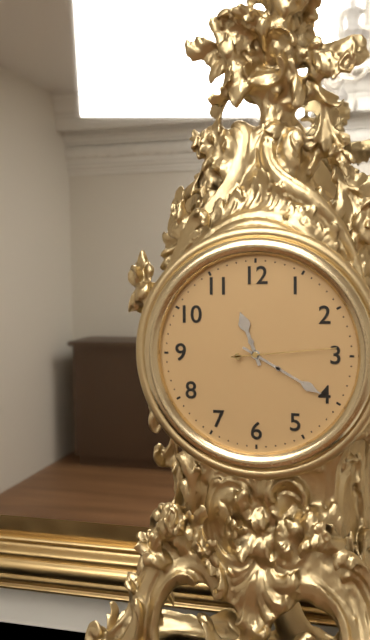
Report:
11:20:14
